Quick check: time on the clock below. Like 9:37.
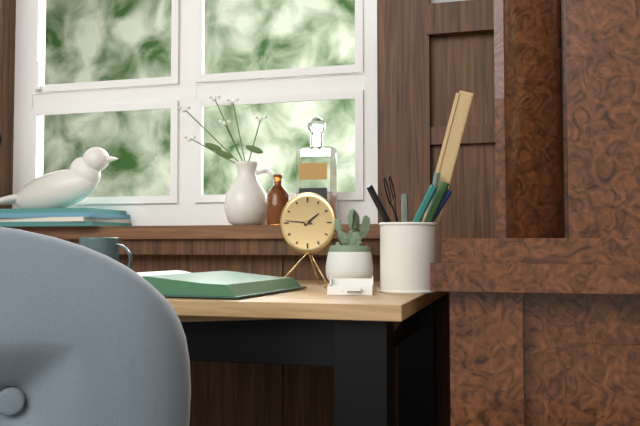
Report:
1:46
